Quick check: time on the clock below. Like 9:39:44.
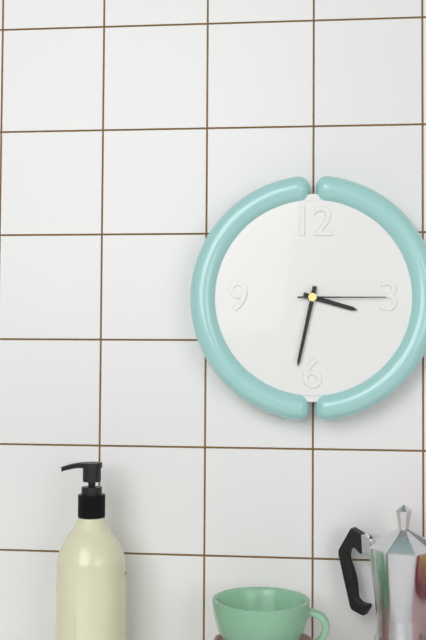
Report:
3:32:15
